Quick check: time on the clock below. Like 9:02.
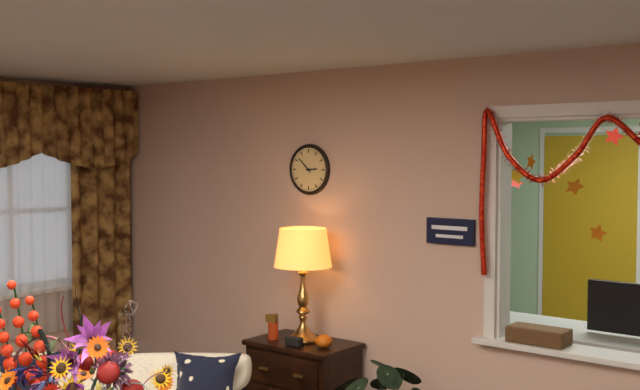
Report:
2:52
